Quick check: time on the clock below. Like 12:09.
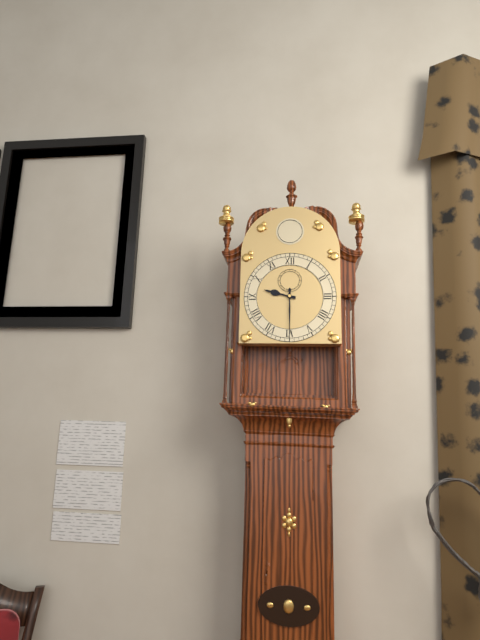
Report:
9:30
